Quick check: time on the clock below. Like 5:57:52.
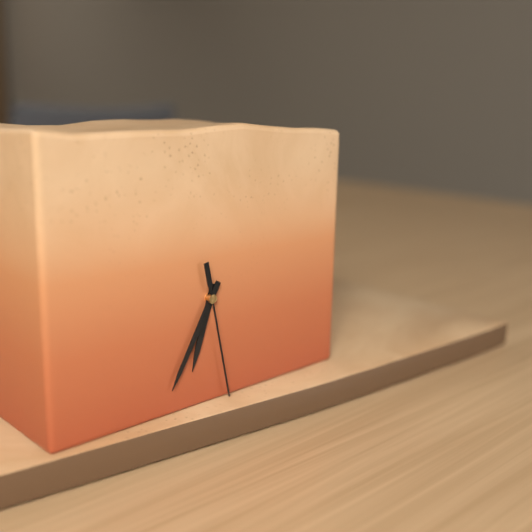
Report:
6:35:28
